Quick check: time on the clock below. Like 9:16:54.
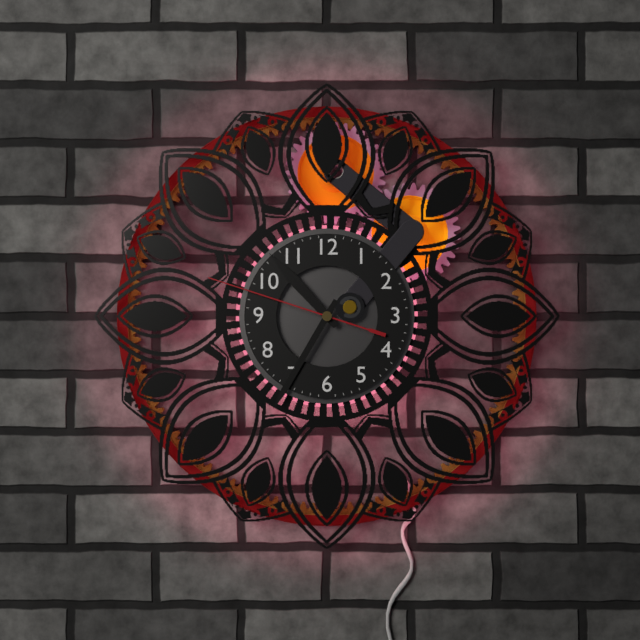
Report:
10:35:48
